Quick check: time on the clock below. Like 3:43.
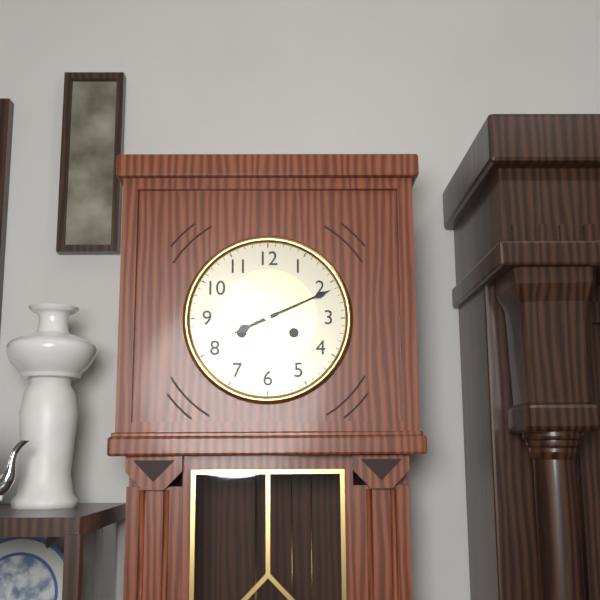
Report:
8:11
